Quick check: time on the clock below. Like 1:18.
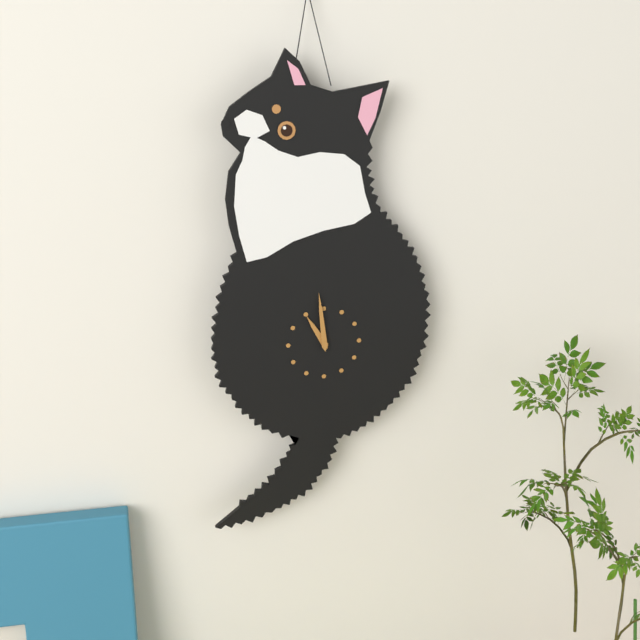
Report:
10:59
